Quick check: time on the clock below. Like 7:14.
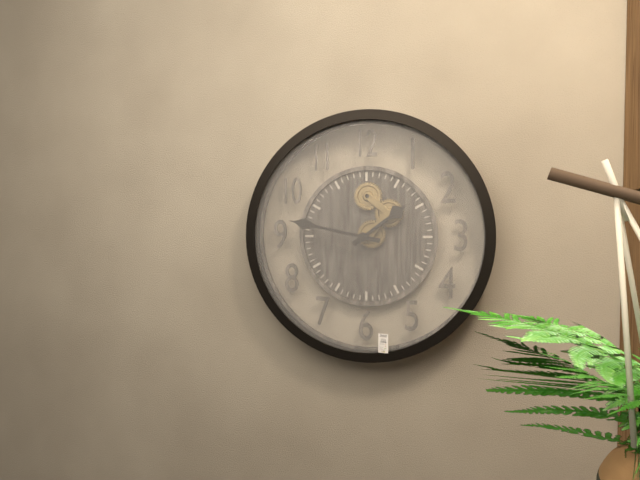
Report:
1:47
